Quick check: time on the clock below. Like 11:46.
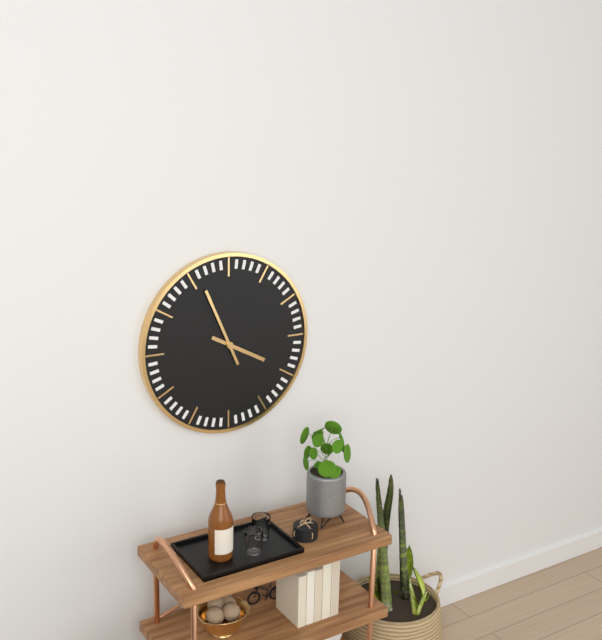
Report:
3:56
